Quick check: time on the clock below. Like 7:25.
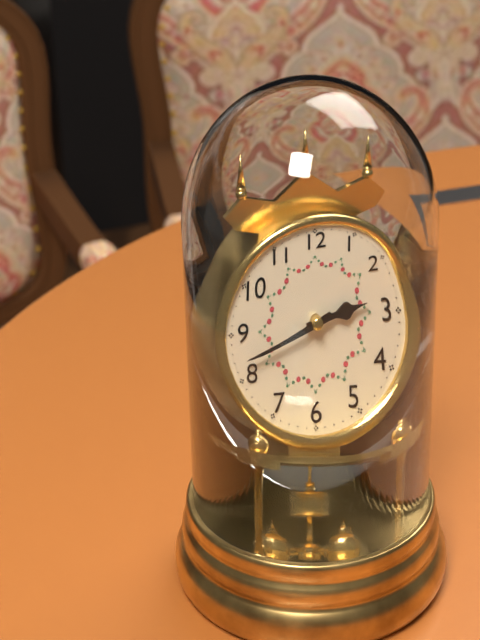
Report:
2:42
